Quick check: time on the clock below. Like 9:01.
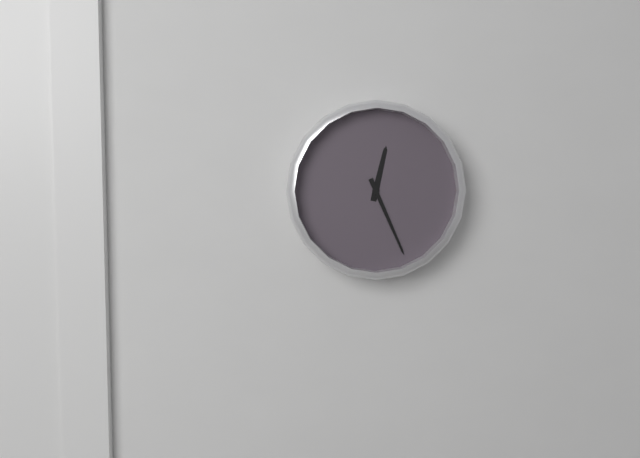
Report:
12:26
